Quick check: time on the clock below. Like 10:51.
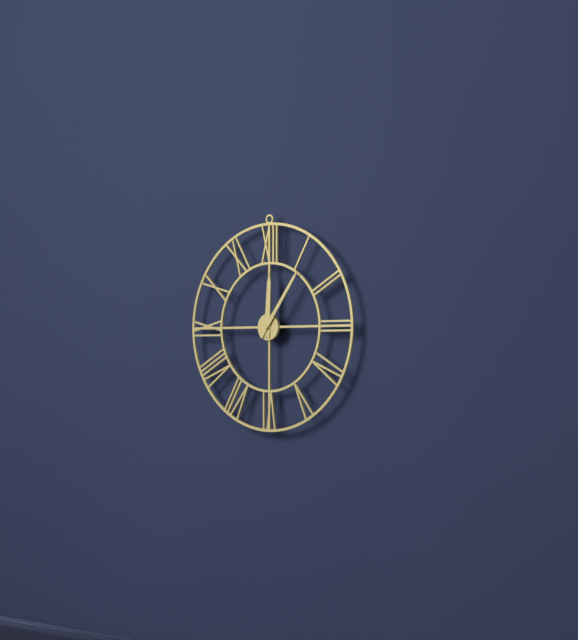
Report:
12:06
